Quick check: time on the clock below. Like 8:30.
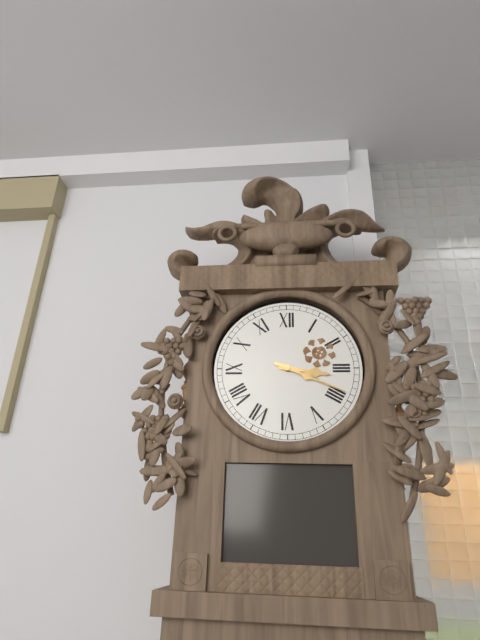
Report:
3:19
